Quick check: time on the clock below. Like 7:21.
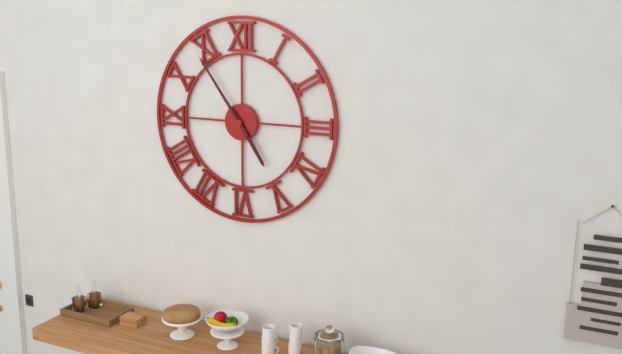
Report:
4:54
